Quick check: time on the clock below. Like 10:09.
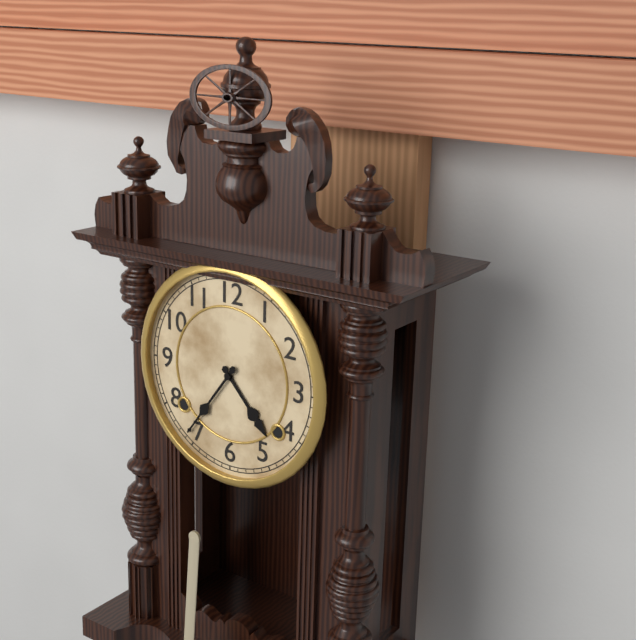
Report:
4:36
